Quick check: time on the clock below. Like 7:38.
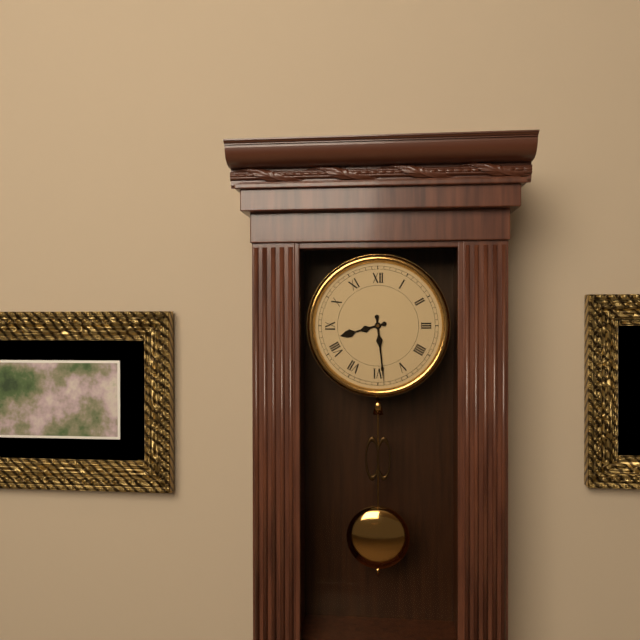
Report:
8:29
